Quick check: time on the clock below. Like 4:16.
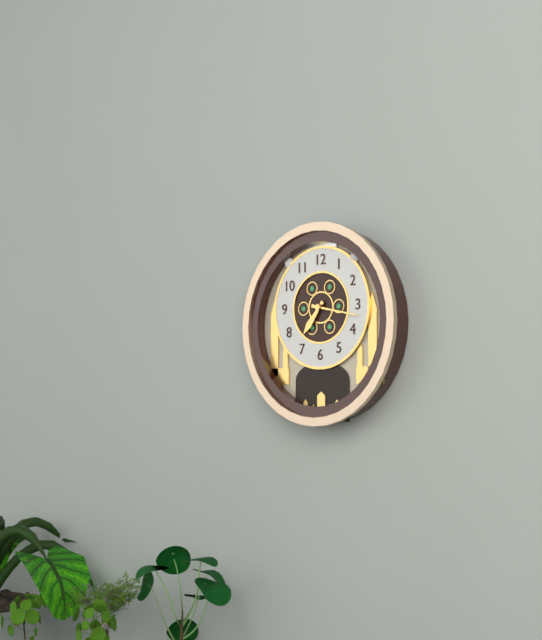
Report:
7:17
